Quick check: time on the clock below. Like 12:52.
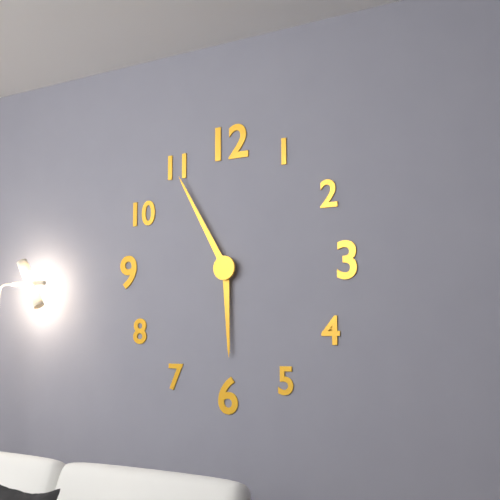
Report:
5:55
